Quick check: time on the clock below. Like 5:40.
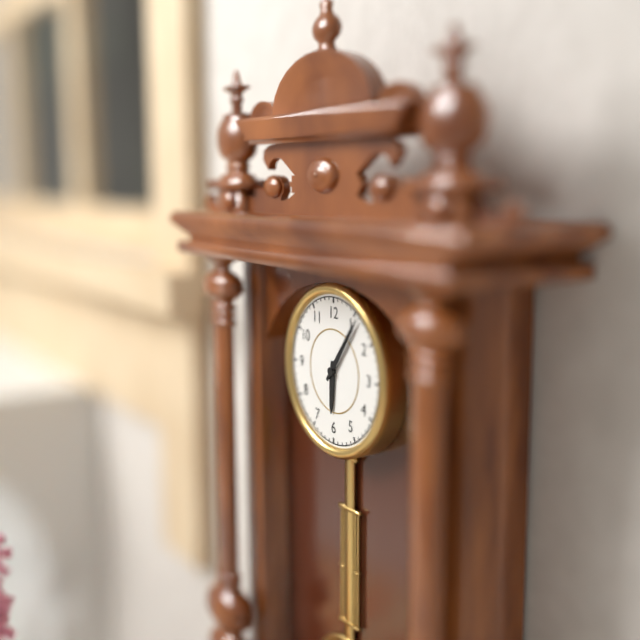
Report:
6:06
